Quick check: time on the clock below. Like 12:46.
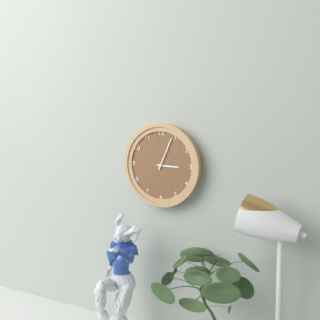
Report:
3:04
